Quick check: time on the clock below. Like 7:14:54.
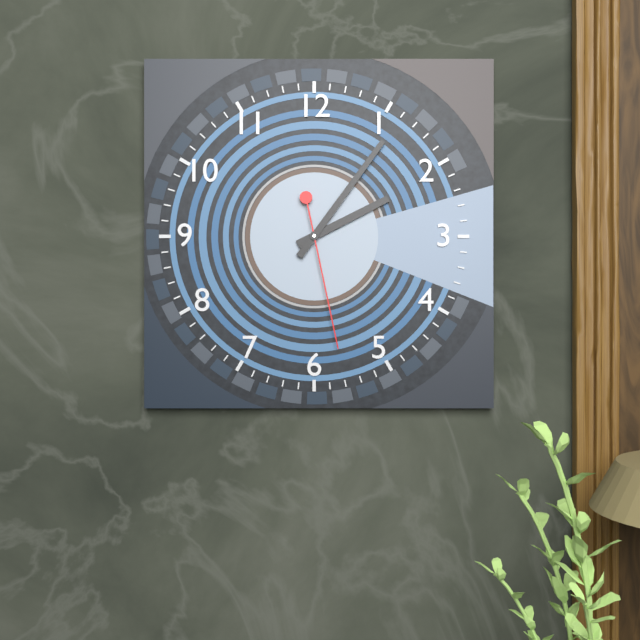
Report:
2:06:28
